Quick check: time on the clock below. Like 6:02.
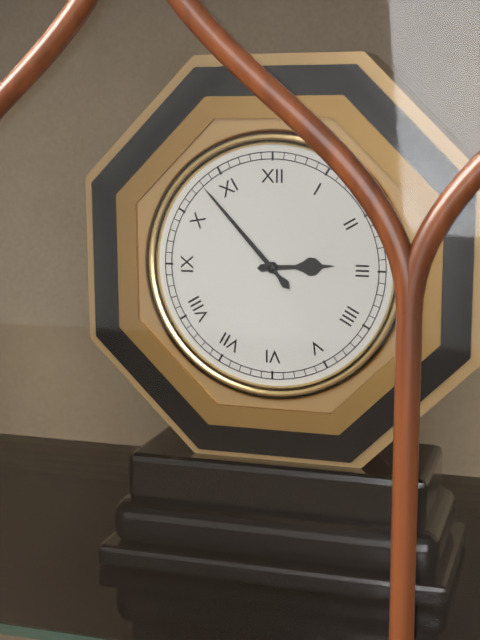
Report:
2:53
